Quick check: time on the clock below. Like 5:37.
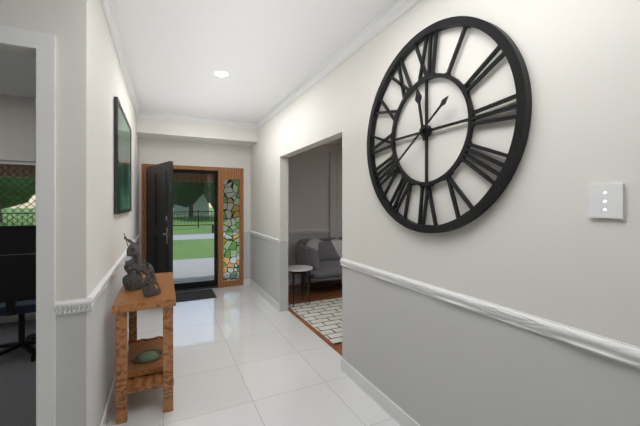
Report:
11:39
